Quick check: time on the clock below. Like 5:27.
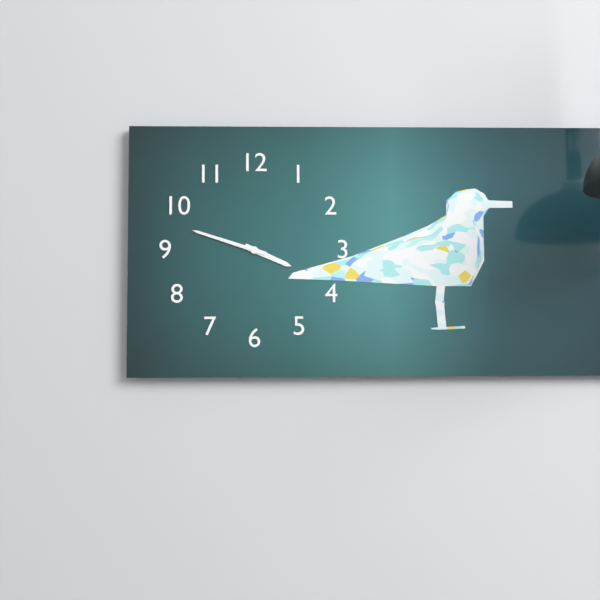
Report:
3:48
